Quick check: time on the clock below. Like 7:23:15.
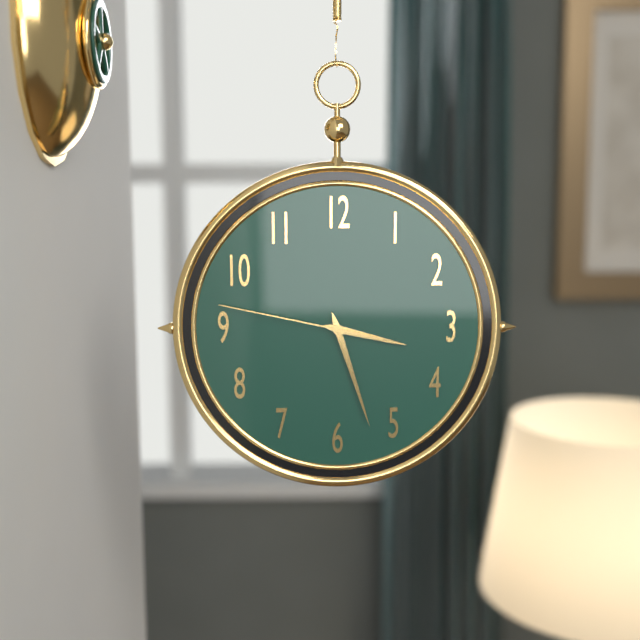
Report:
3:27:47
